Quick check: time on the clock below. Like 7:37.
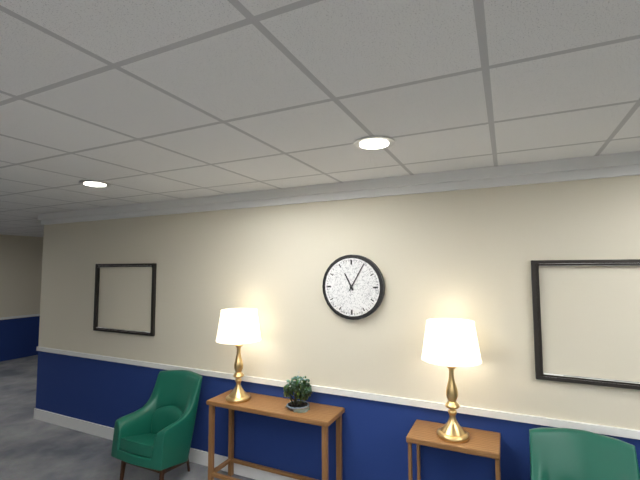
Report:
11:05
